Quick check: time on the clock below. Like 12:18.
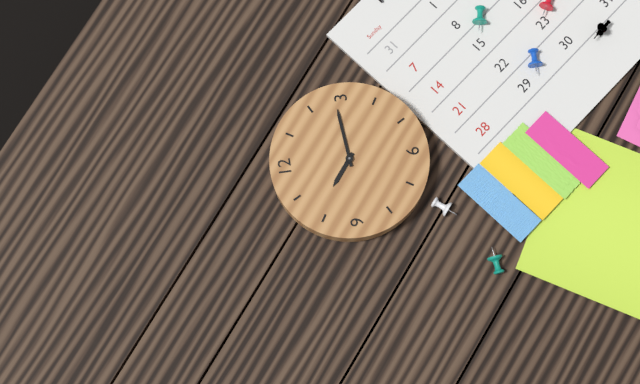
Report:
10:14
